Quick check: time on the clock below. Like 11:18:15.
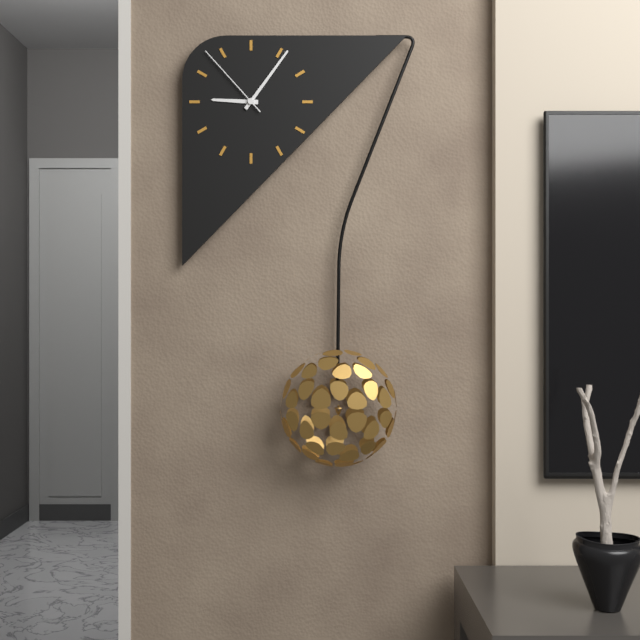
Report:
9:06:53
